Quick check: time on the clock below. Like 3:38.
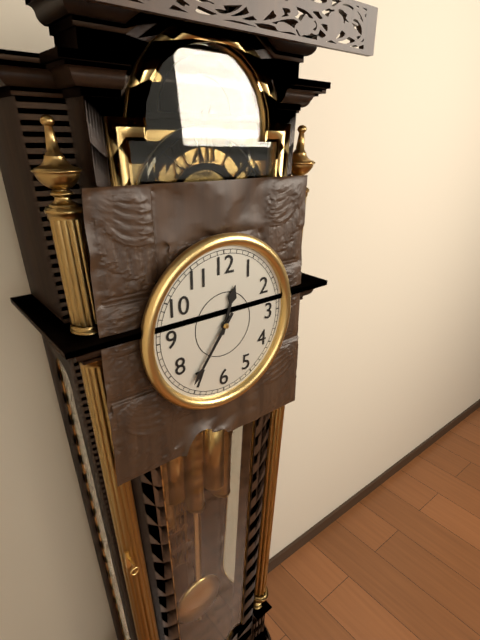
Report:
12:36
